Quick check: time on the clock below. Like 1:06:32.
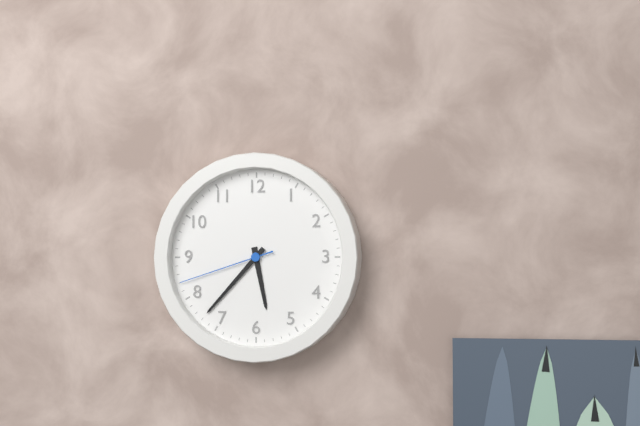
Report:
5:37:42
